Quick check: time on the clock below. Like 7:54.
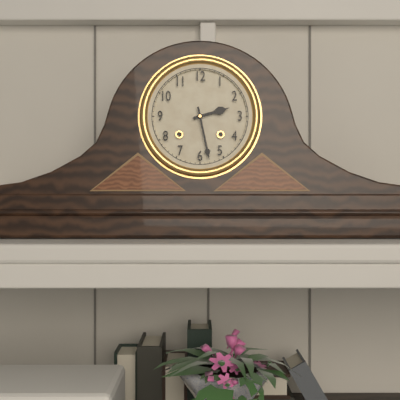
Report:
2:28
